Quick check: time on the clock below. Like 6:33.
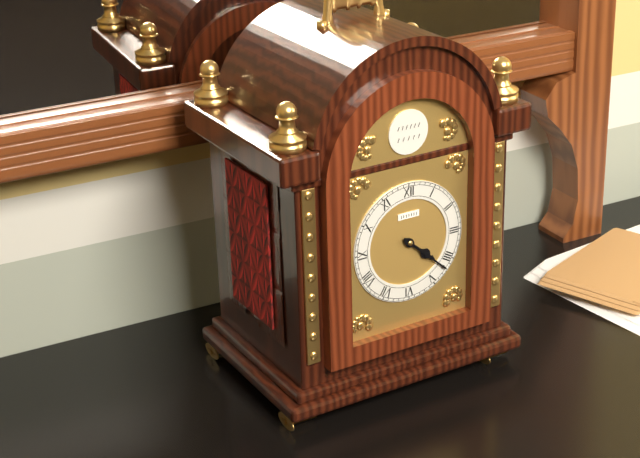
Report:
4:22
